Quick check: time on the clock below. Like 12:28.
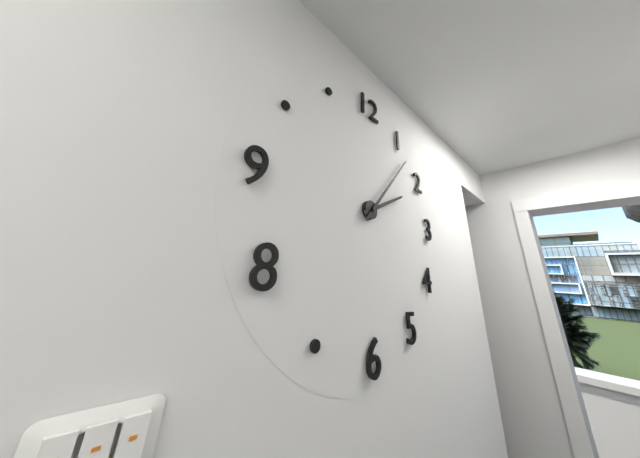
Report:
2:07
